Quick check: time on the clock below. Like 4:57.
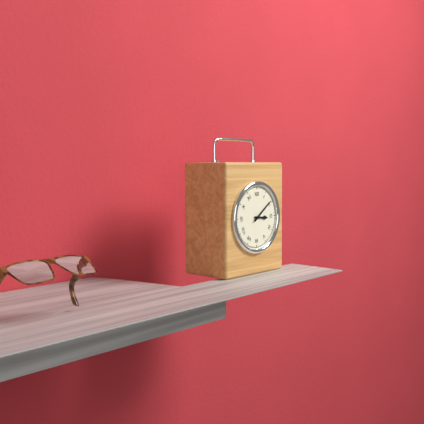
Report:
3:09
